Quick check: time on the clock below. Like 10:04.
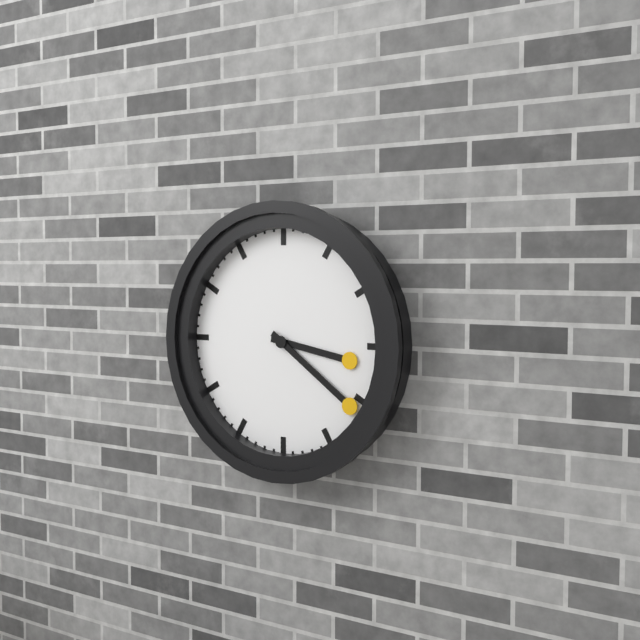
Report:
3:21
